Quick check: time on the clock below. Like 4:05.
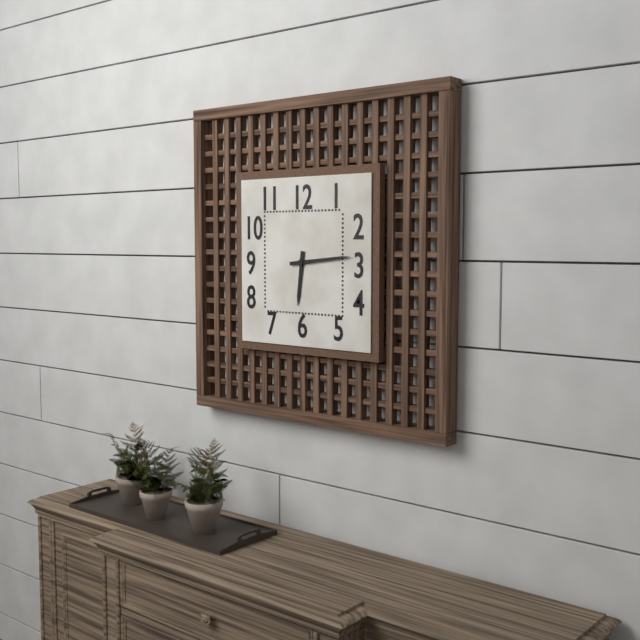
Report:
6:14
